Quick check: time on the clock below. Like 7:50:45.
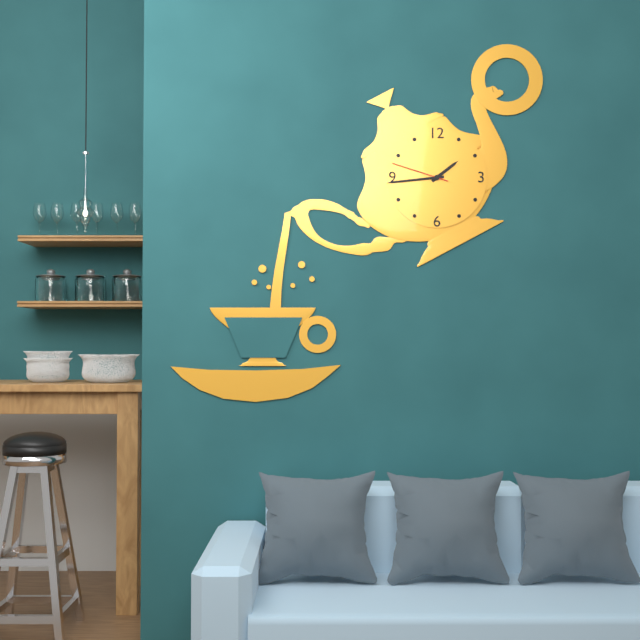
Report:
1:44:48
